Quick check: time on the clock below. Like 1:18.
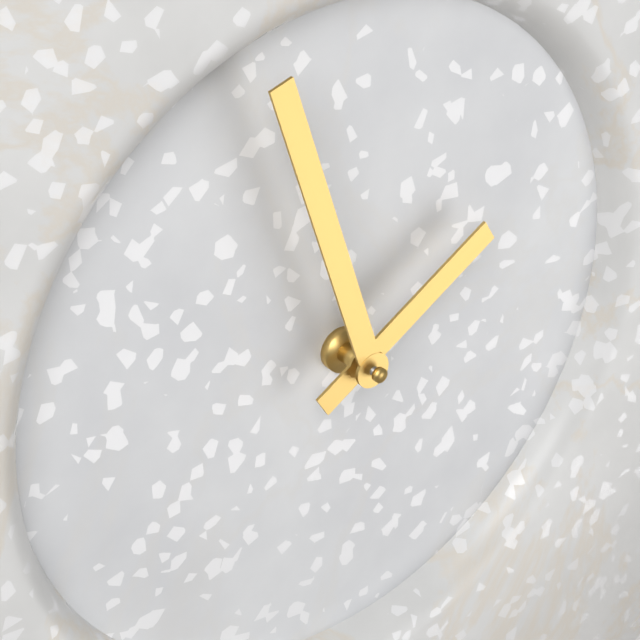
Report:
1:57
